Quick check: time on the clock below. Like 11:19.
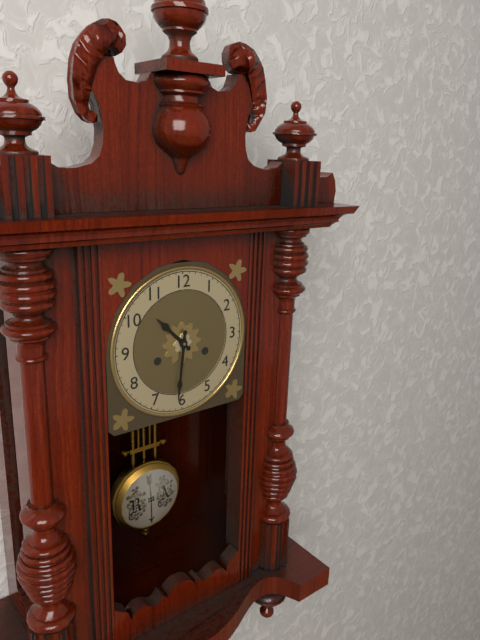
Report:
10:31
